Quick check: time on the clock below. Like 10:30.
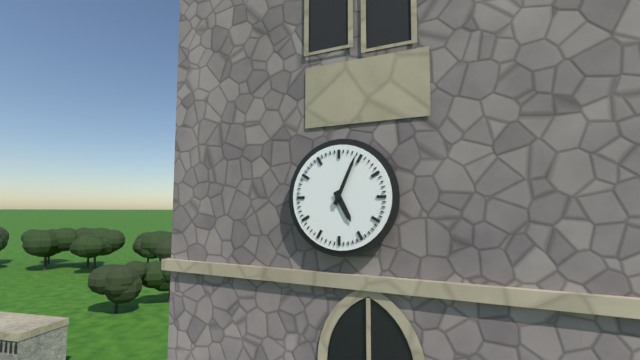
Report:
5:04
